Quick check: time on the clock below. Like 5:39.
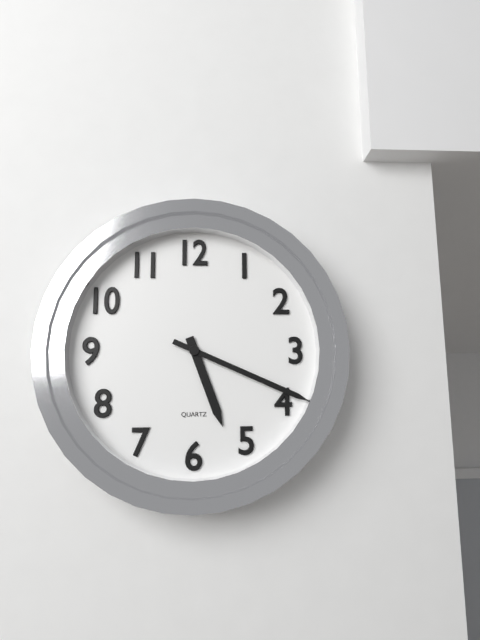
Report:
5:19
